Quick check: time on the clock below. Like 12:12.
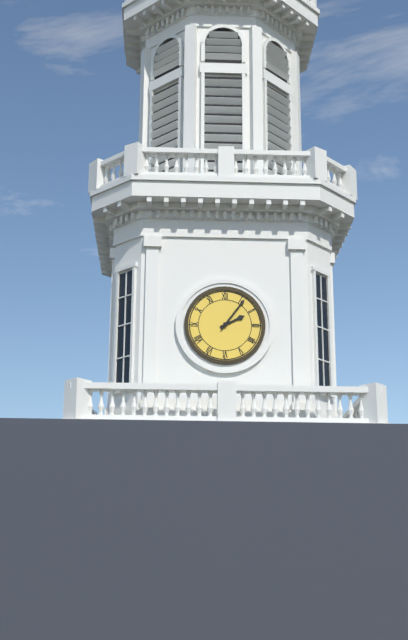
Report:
2:06
